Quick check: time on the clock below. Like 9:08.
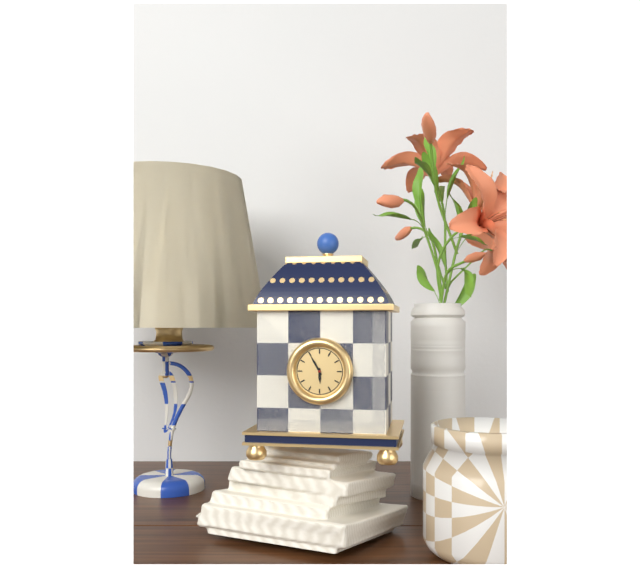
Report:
5:55
